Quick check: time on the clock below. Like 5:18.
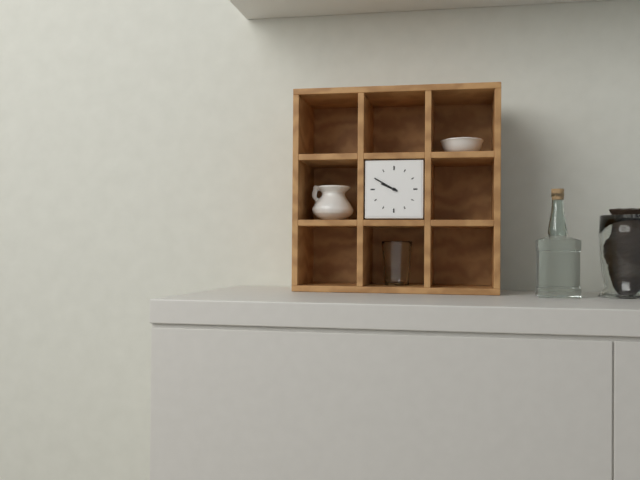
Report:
9:50
